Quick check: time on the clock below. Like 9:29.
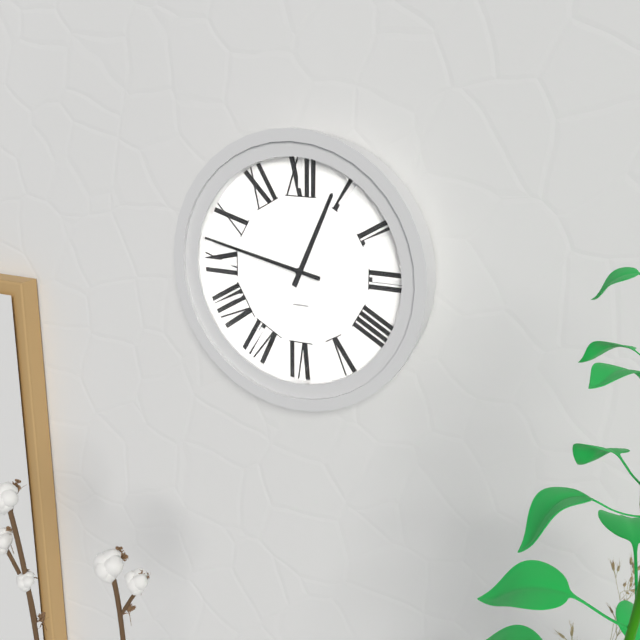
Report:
12:47
